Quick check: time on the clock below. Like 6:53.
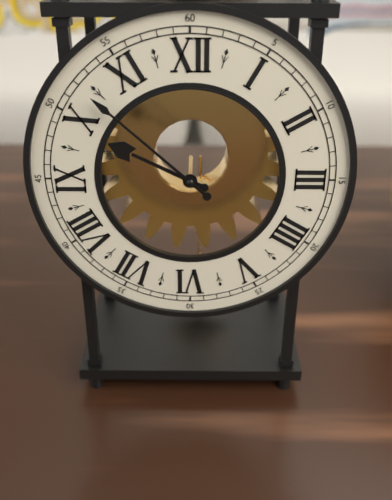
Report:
9:52
